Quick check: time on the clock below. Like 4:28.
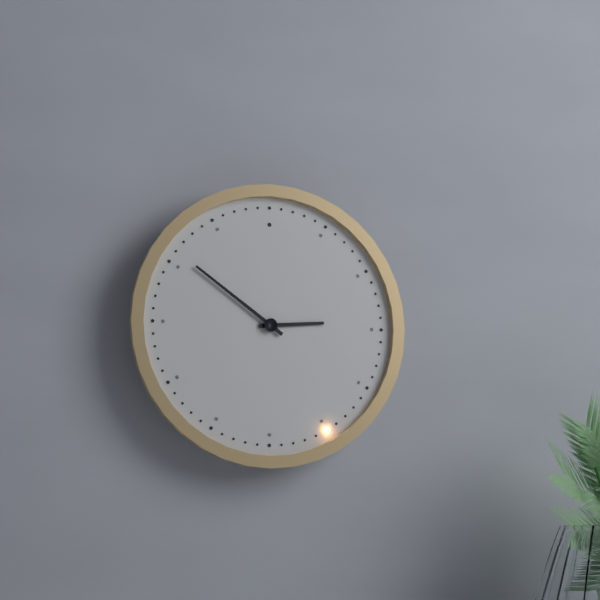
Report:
2:51
